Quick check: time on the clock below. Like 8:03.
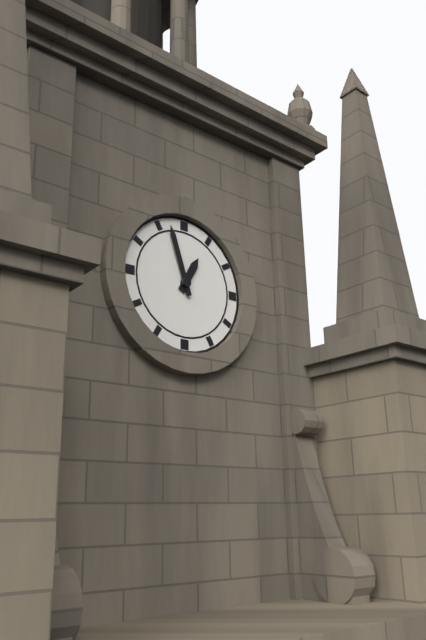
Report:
12:57
